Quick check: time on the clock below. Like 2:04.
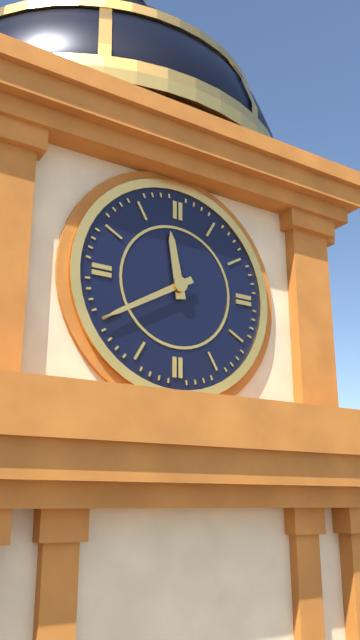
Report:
11:40
